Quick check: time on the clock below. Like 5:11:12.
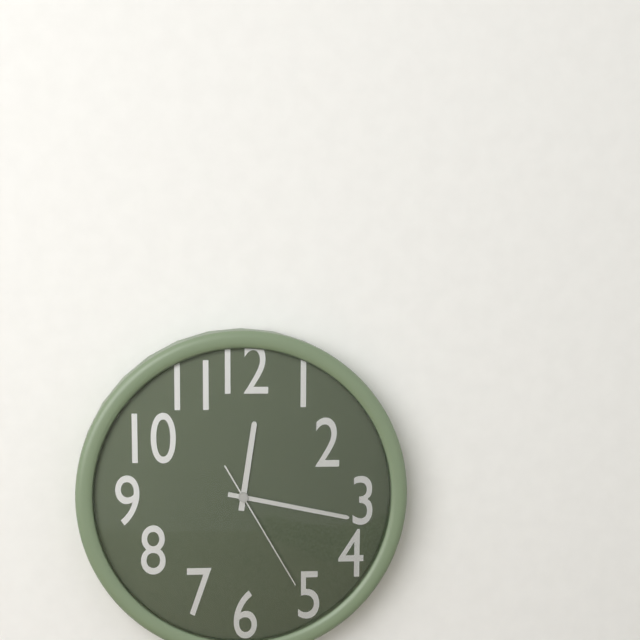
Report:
12:17:25
